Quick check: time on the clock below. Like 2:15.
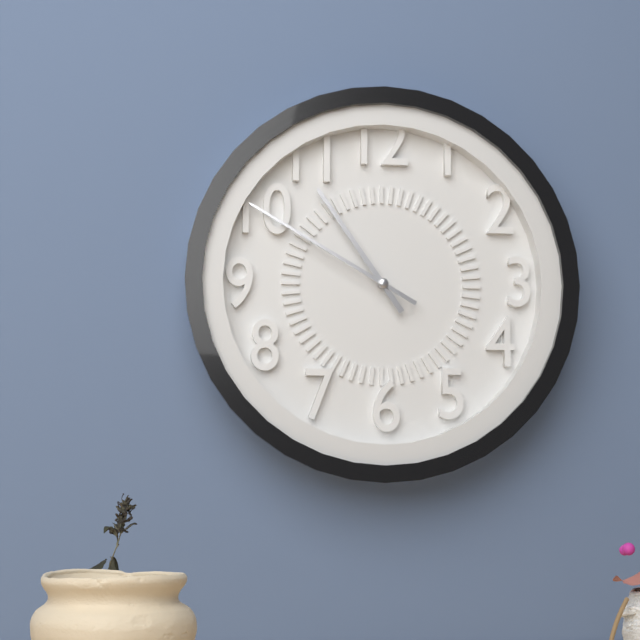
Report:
10:50
